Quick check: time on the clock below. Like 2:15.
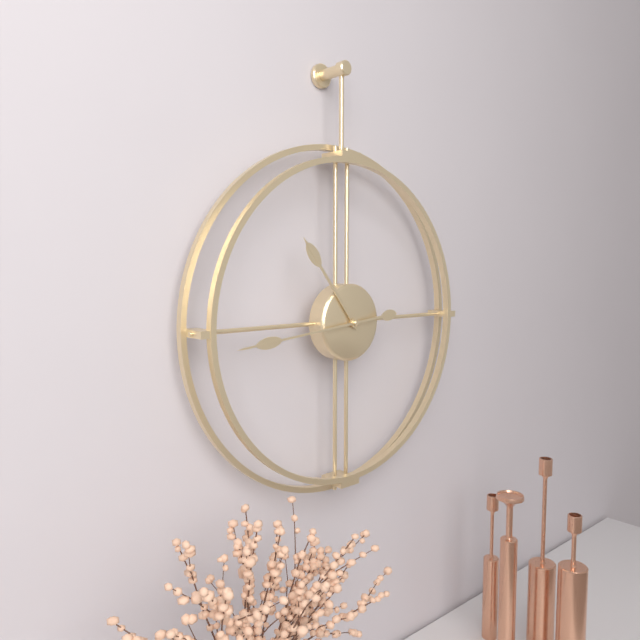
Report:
10:44
